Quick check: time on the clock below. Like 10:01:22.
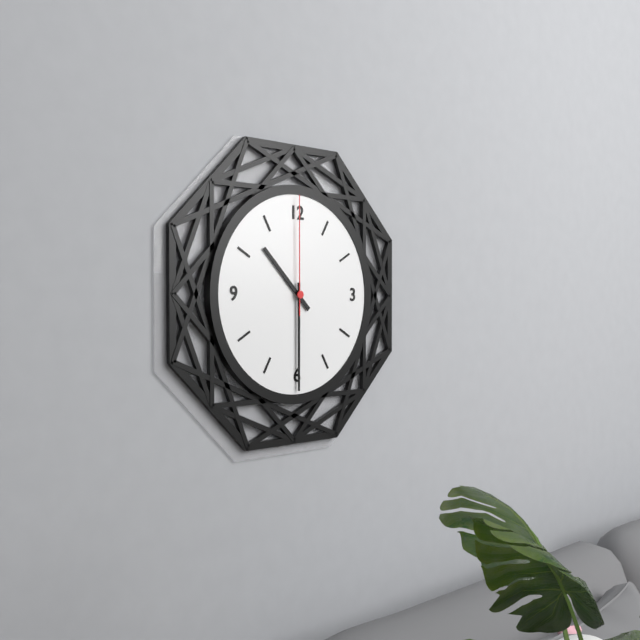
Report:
10:30:00
